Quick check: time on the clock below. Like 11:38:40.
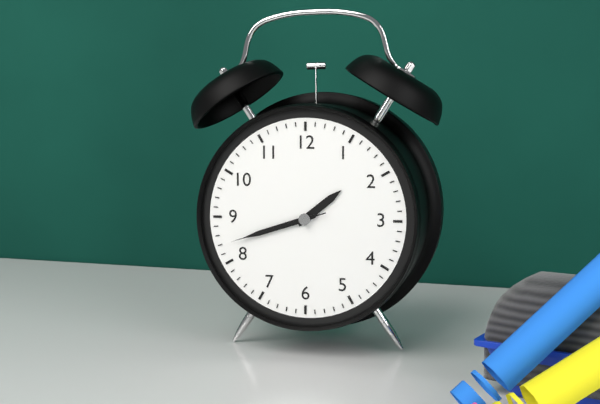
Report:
1:42:42
